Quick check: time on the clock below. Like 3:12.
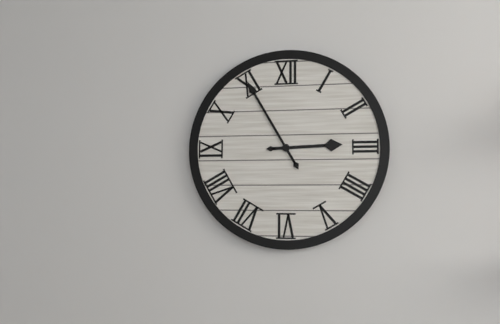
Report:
2:55
